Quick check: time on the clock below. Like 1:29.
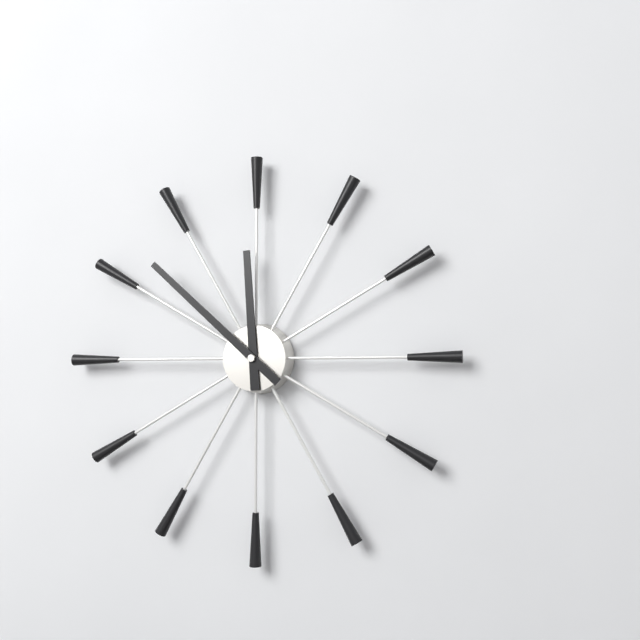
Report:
11:52
